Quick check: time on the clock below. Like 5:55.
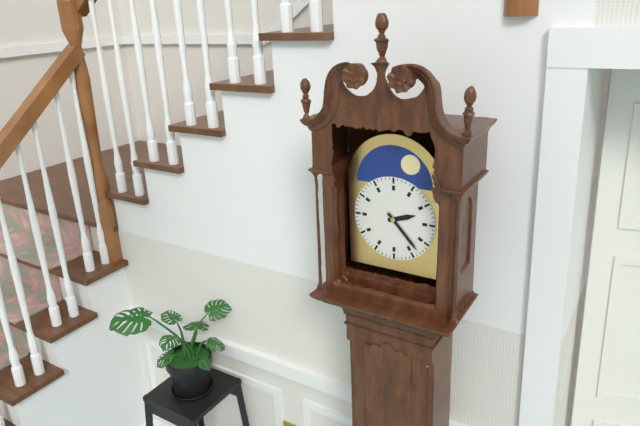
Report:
2:23
